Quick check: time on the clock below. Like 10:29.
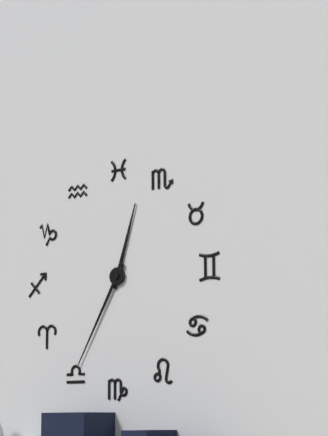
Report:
12:35
